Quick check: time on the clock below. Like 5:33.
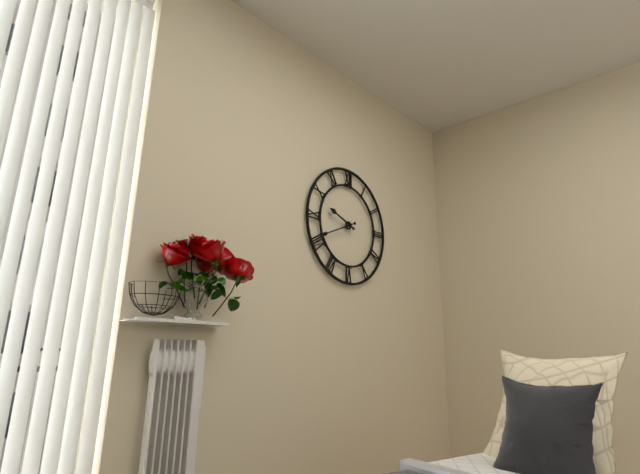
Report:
9:41
